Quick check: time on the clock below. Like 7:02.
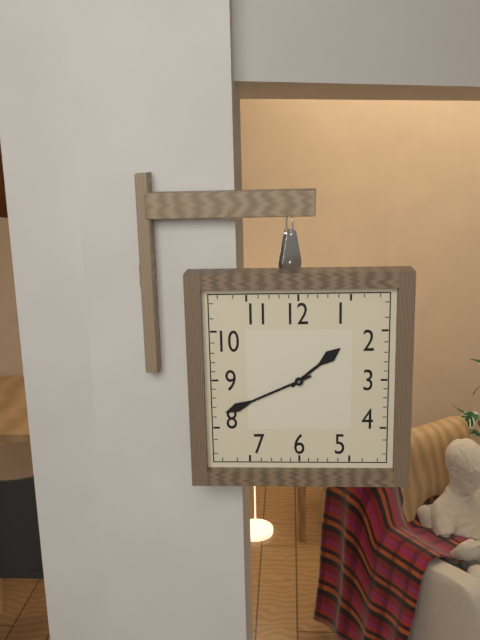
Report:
1:41
